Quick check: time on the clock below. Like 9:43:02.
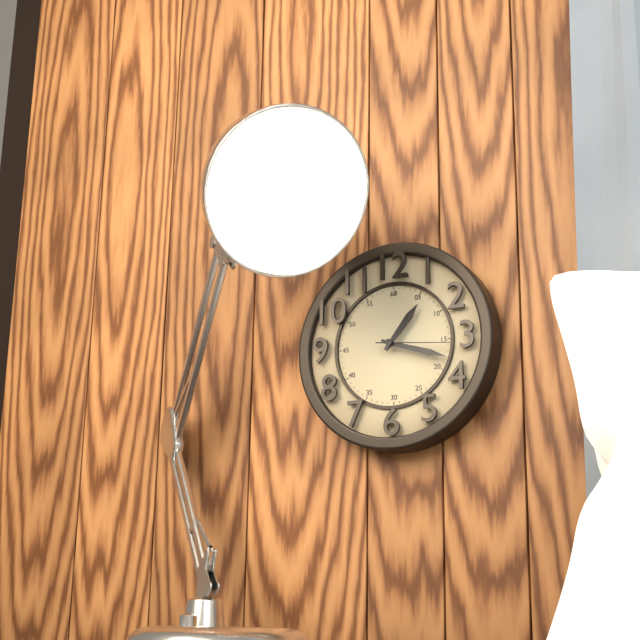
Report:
1:18:16
